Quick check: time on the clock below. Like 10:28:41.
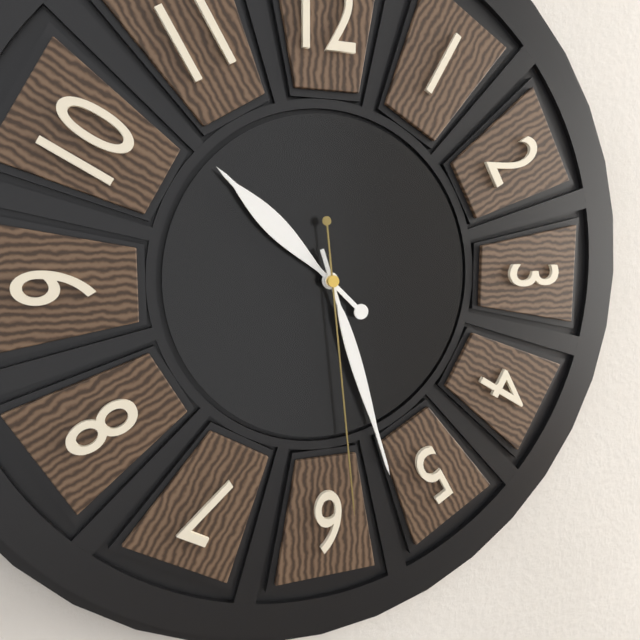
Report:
10:27:29
